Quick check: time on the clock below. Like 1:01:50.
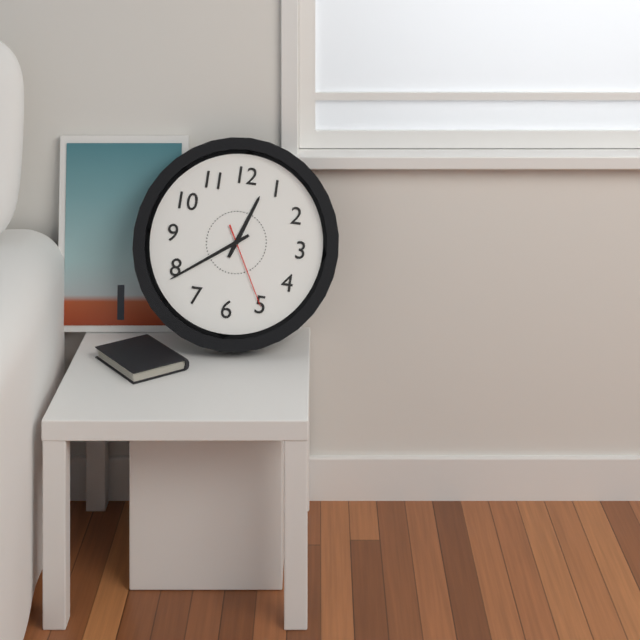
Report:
12:39:25
